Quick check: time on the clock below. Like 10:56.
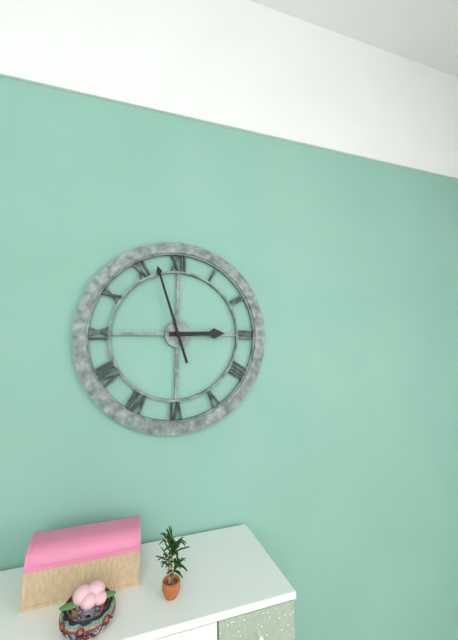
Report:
2:57
